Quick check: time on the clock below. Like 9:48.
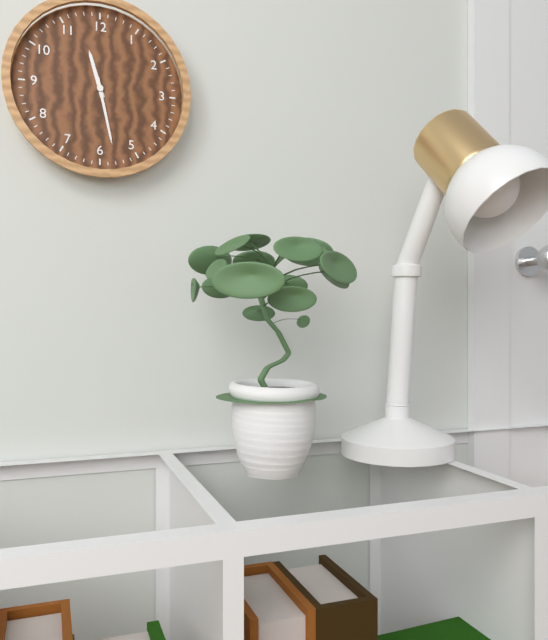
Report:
11:28
